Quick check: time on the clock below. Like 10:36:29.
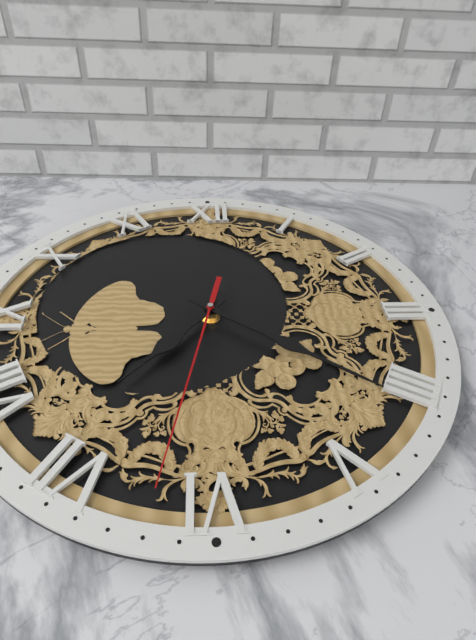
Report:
7:21:32
